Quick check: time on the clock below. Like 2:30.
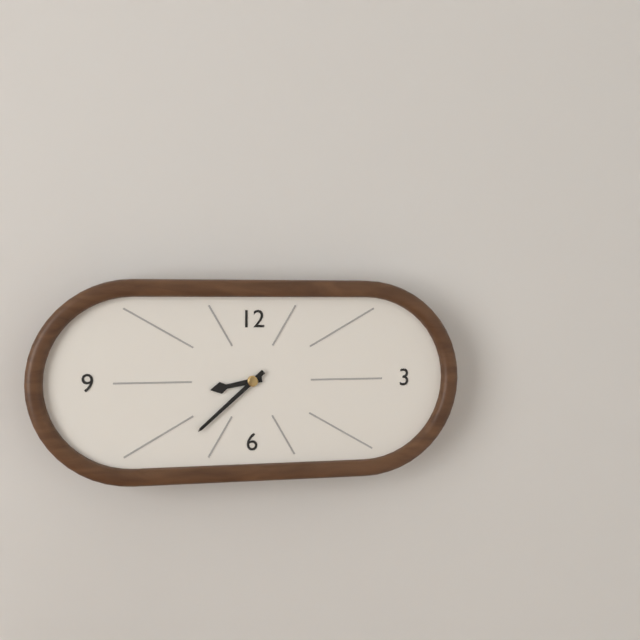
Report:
8:38
